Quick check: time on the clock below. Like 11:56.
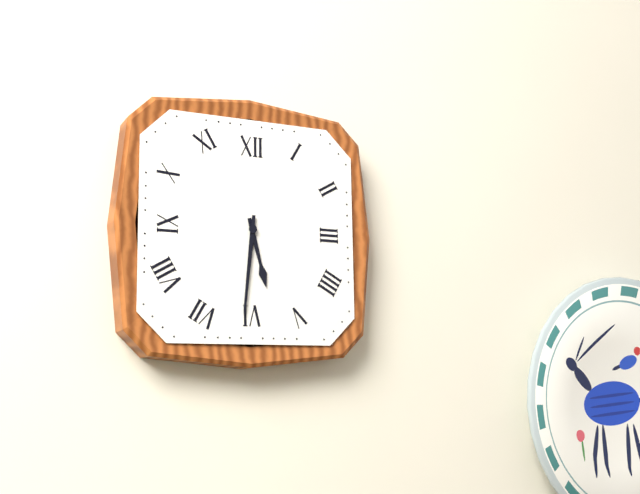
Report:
5:31
